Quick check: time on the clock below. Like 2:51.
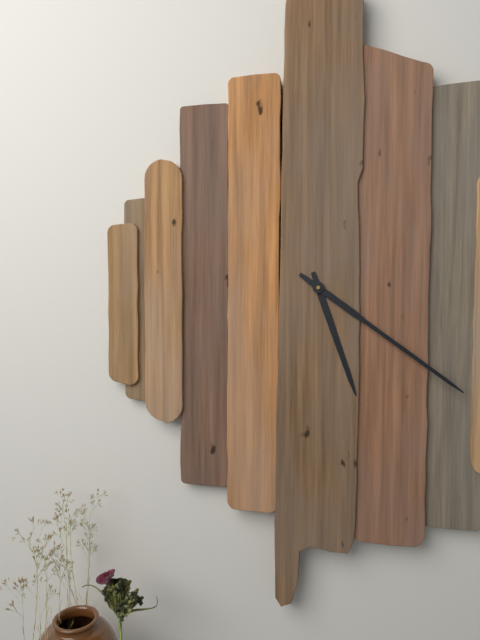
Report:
5:21
